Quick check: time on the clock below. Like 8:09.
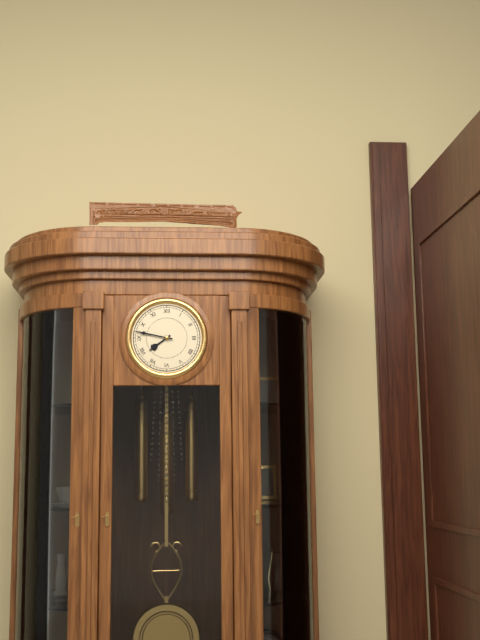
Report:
7:47
